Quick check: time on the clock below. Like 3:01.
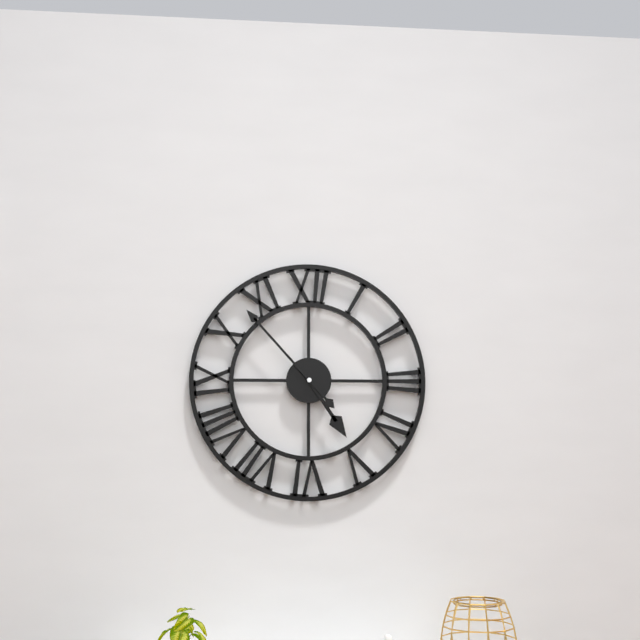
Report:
4:53
